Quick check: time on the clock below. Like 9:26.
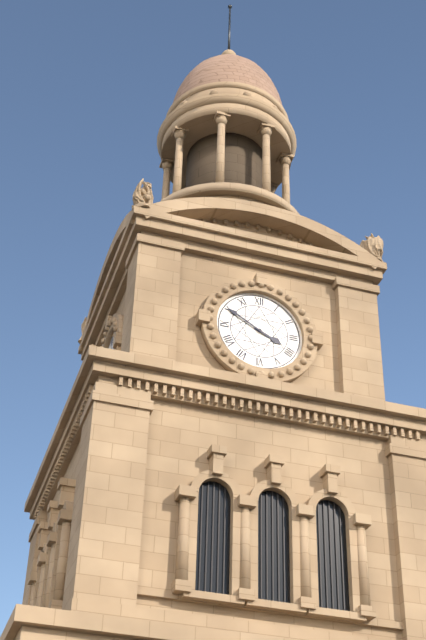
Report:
3:50
